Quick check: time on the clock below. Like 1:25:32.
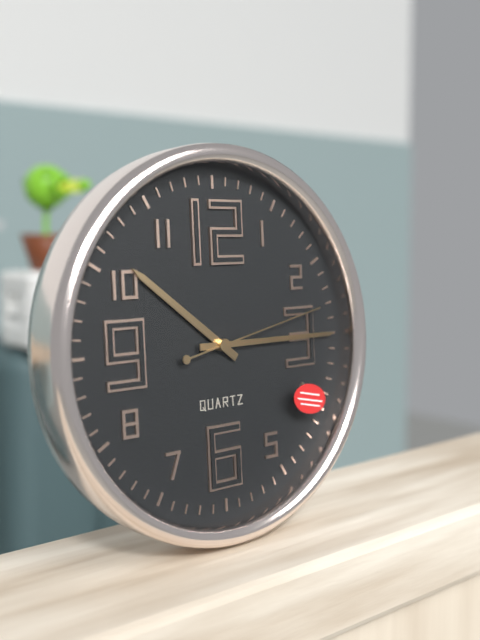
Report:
10:15:13
